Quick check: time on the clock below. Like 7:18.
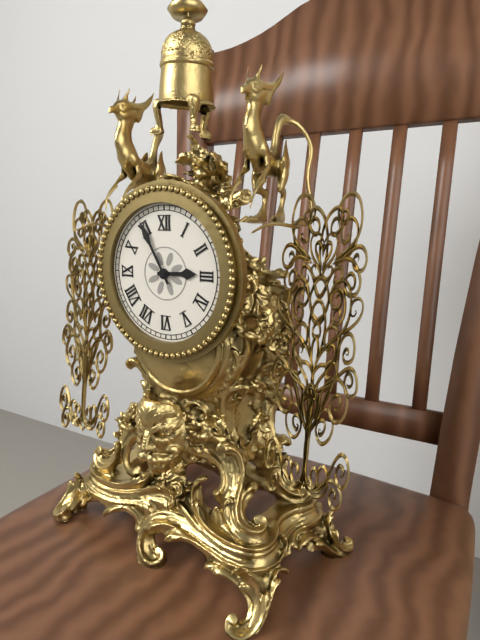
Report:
2:55
